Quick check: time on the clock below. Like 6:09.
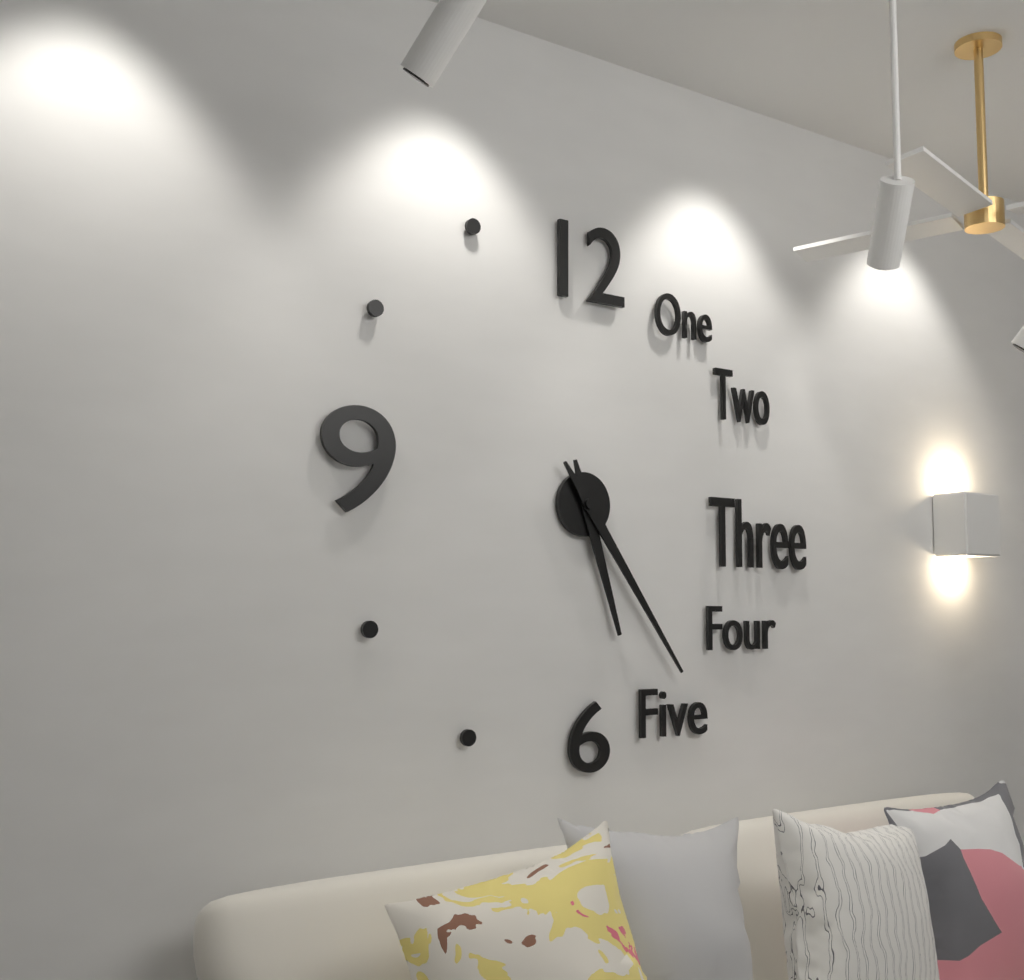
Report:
5:24
